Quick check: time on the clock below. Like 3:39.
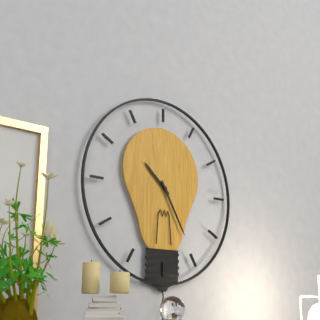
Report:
10:25
